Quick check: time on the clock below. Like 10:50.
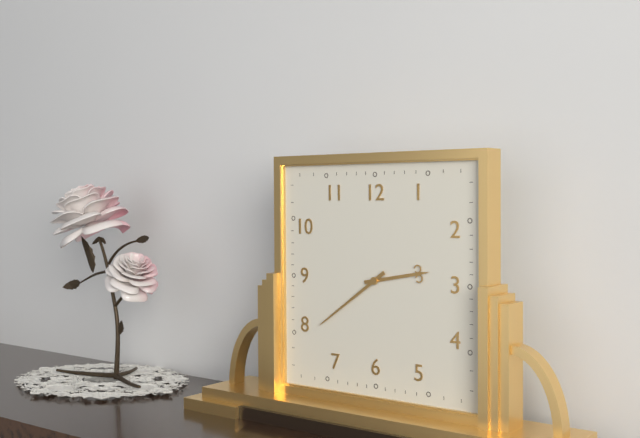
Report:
2:39
